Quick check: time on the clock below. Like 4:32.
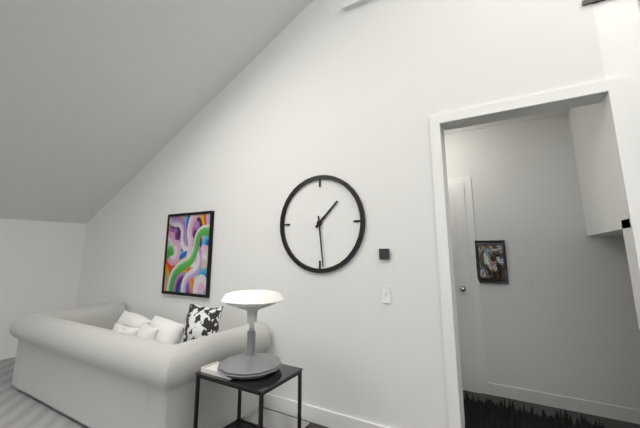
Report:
1:29
